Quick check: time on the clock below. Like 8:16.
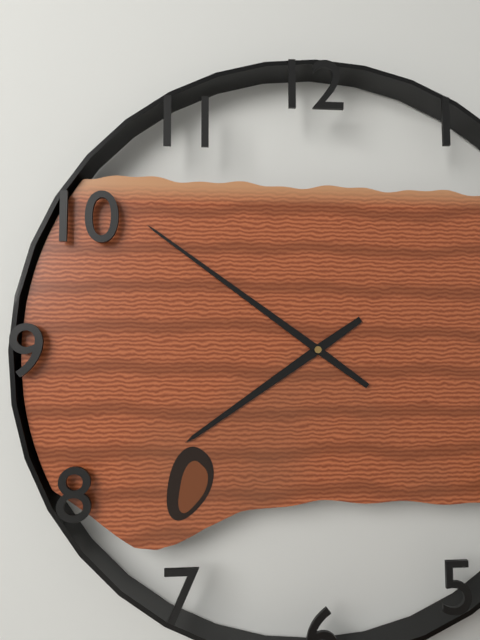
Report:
7:51
